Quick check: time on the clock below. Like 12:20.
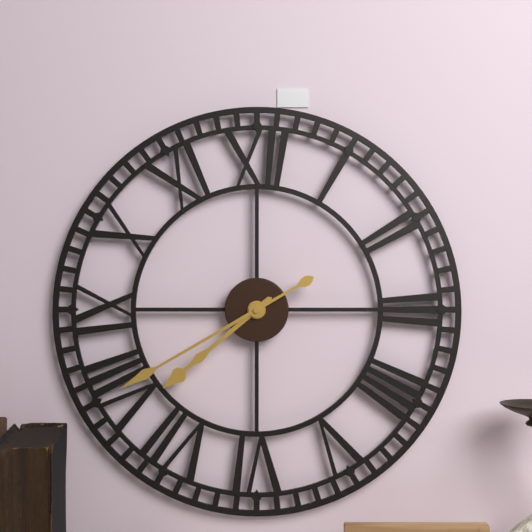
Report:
7:40
